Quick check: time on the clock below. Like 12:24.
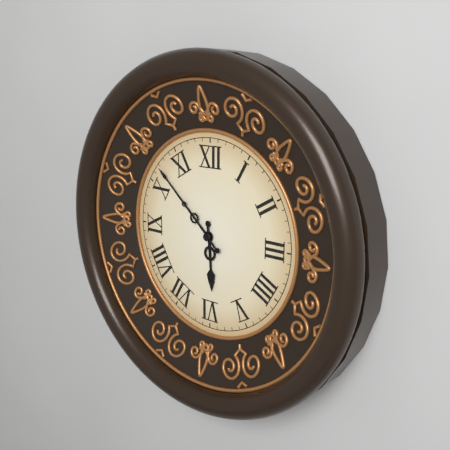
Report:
5:52
